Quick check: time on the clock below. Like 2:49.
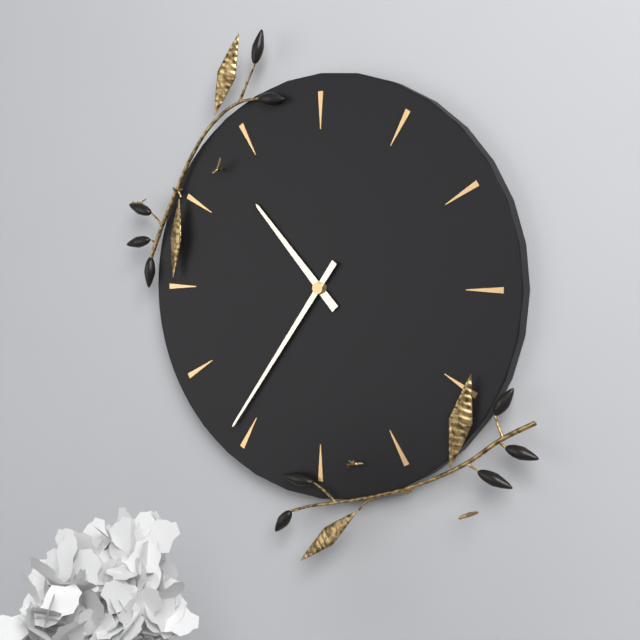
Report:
10:36
